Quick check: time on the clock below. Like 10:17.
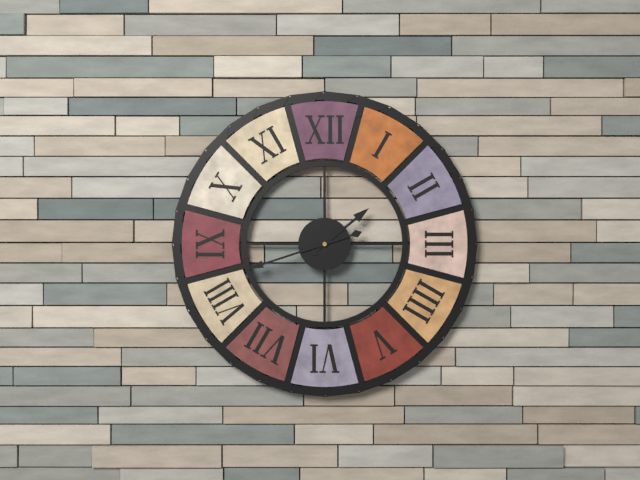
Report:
1:42
